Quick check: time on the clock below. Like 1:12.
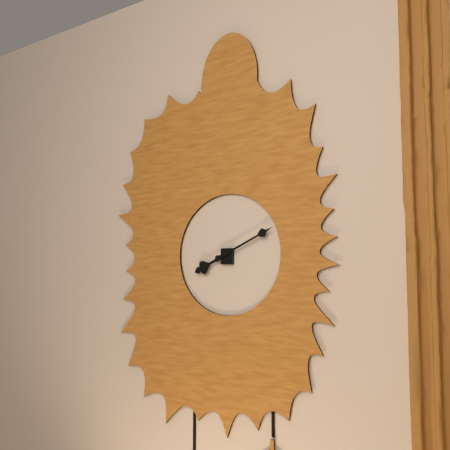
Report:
8:11
